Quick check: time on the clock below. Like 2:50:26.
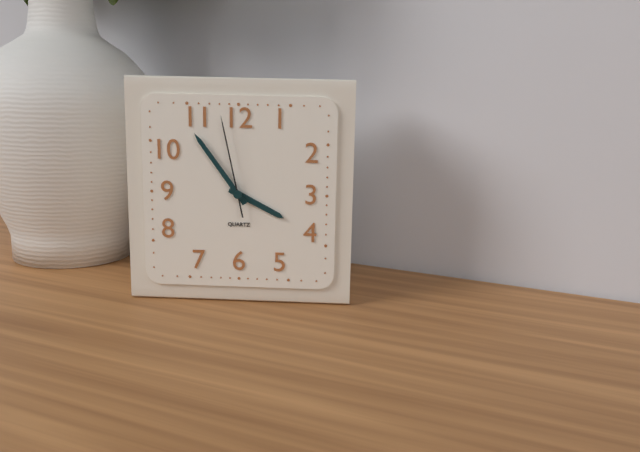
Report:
3:54:58
